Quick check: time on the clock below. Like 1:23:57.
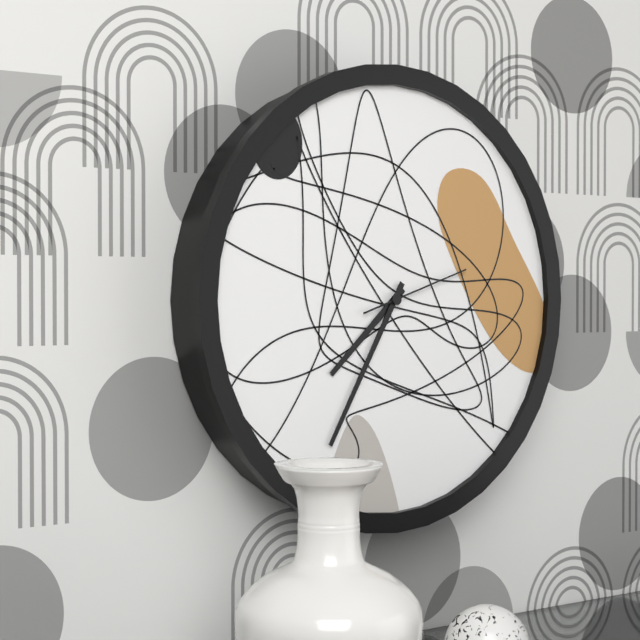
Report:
7:35:12
